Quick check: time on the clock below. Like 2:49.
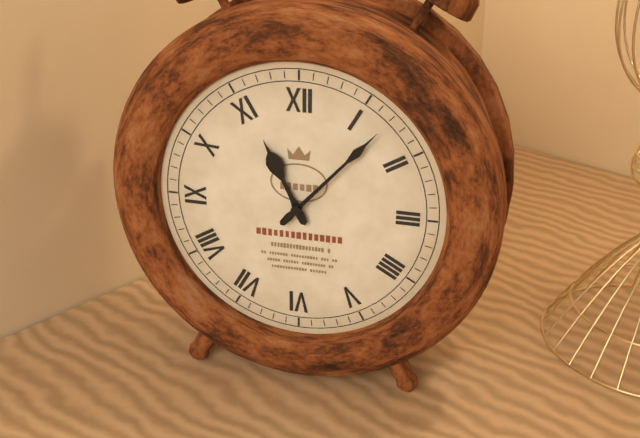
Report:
11:07
